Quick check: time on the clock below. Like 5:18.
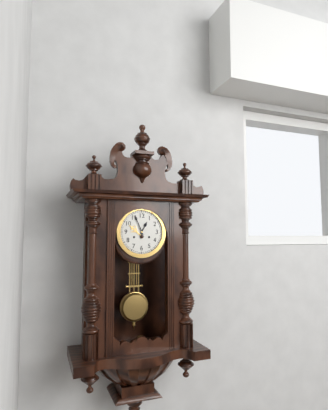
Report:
12:56
